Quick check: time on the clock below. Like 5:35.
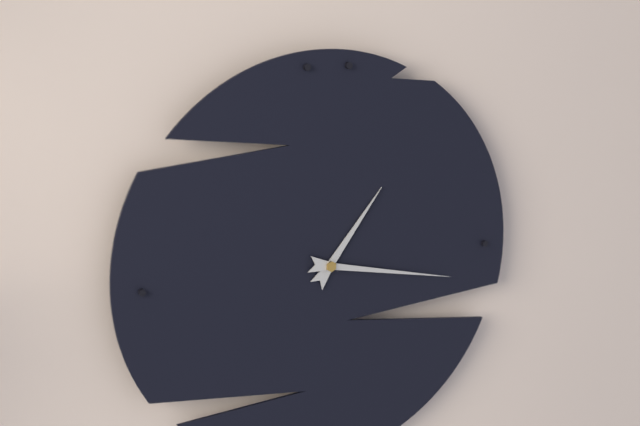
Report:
1:17
